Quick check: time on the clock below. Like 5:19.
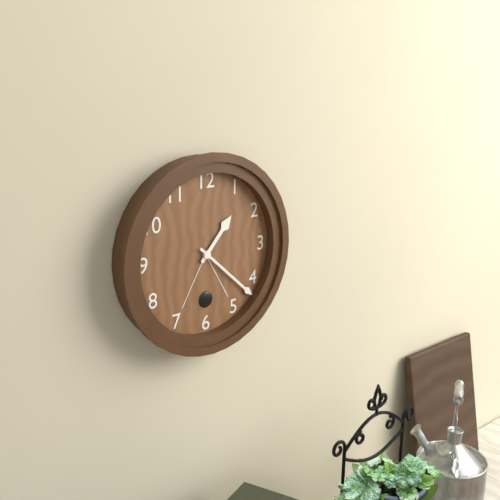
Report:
1:22
